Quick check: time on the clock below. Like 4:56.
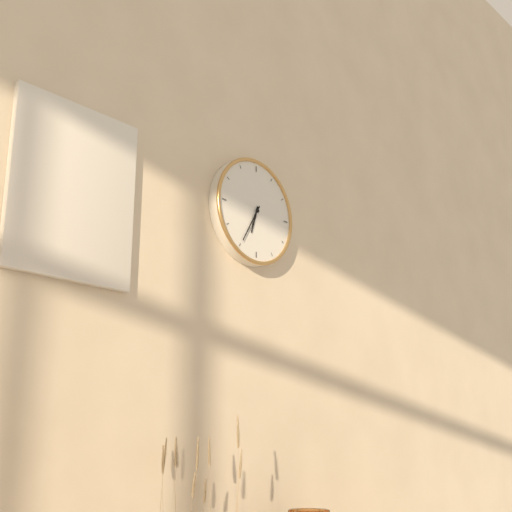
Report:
6:35
